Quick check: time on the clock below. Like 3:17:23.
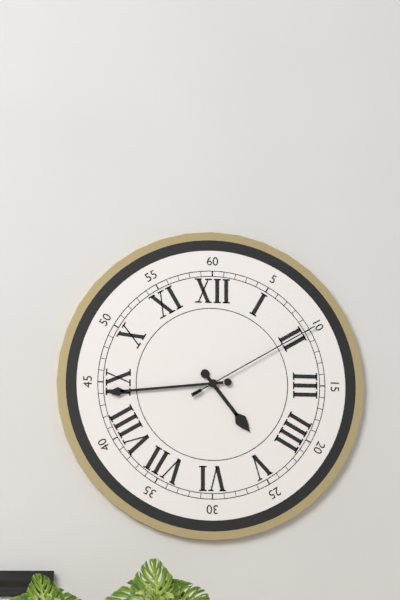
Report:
4:44:10
